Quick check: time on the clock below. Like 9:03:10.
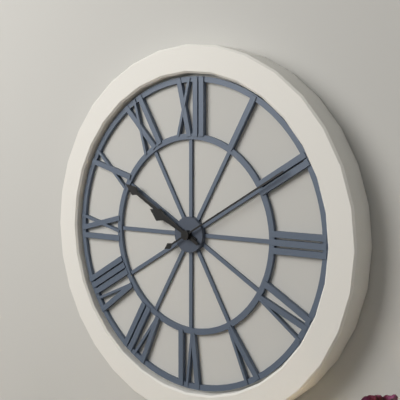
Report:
9:50:10
